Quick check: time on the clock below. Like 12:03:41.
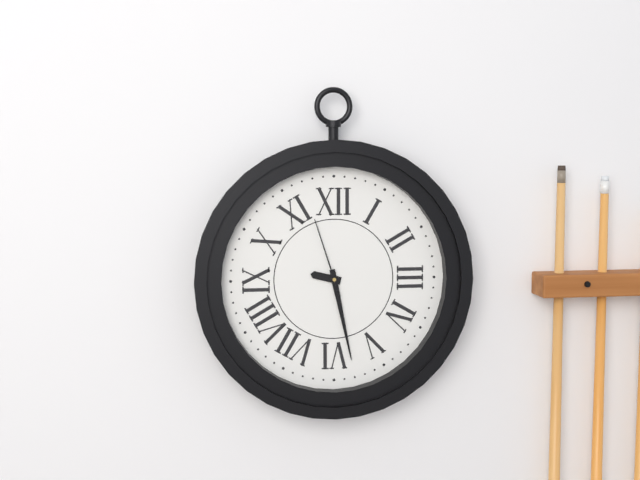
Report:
9:28:57
